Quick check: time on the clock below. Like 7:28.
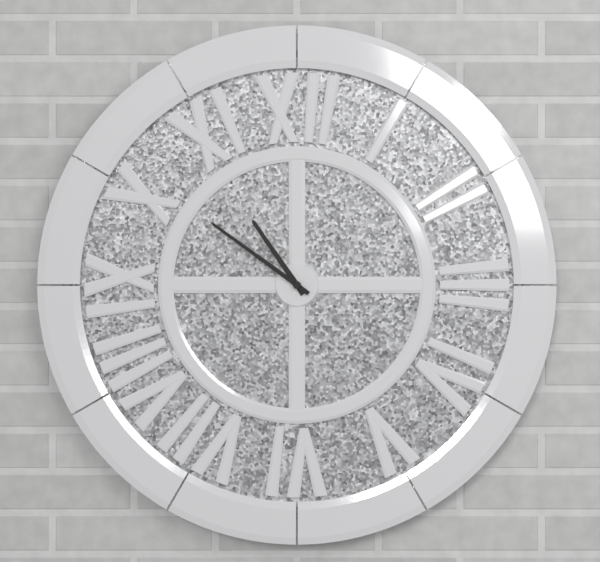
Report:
10:51
